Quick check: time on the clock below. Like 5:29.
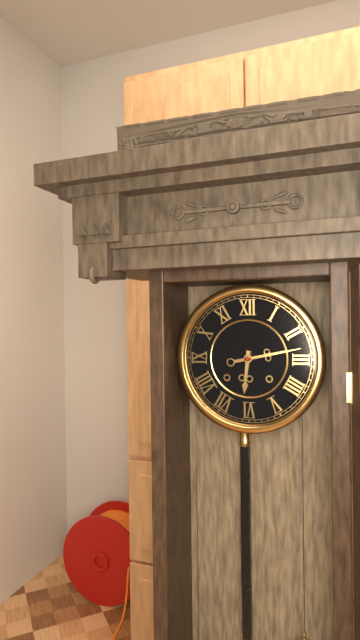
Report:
6:13
